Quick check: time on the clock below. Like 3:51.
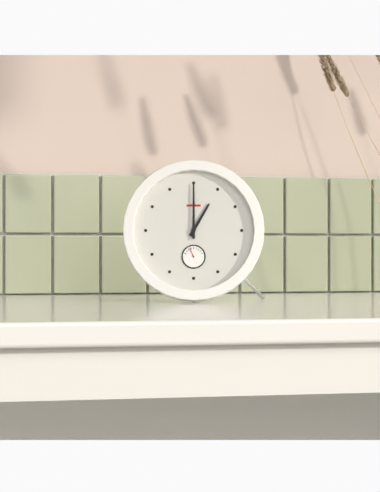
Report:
1:00
